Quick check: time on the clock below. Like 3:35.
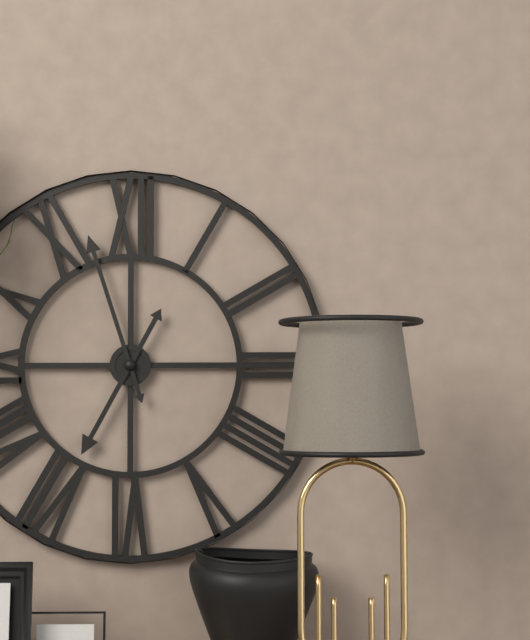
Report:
6:57
